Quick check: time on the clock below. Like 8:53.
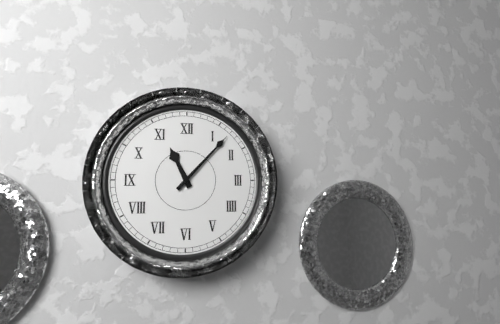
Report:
11:07
